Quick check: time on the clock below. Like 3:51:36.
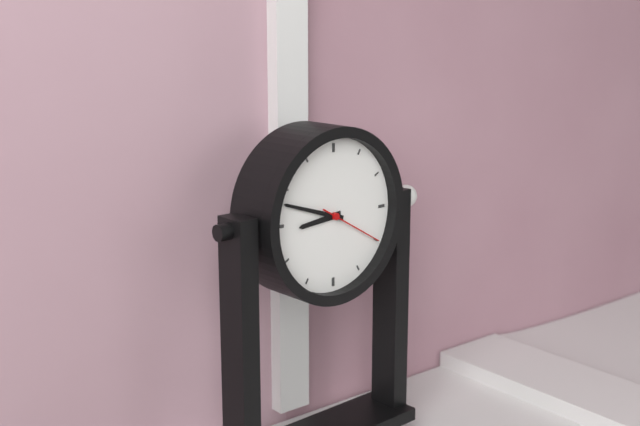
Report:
8:48:20
